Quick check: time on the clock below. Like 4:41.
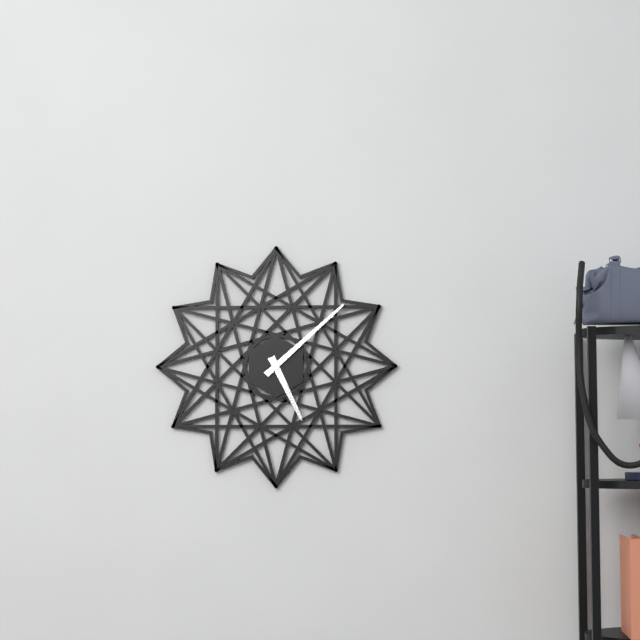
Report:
5:08
